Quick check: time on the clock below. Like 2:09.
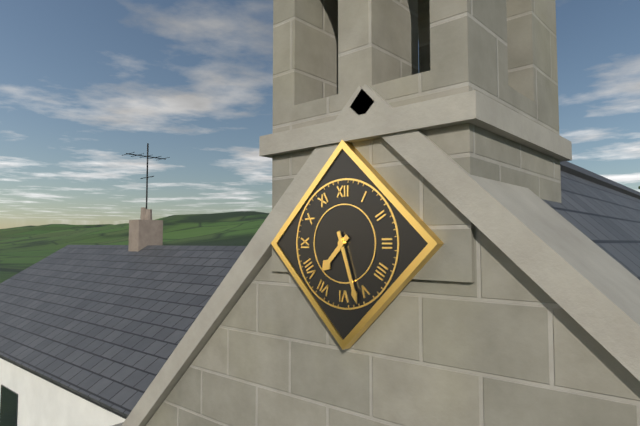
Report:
7:27
